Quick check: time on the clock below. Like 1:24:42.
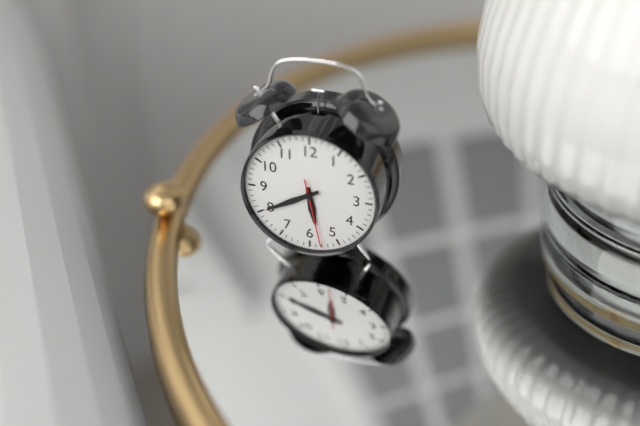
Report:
5:40:28
